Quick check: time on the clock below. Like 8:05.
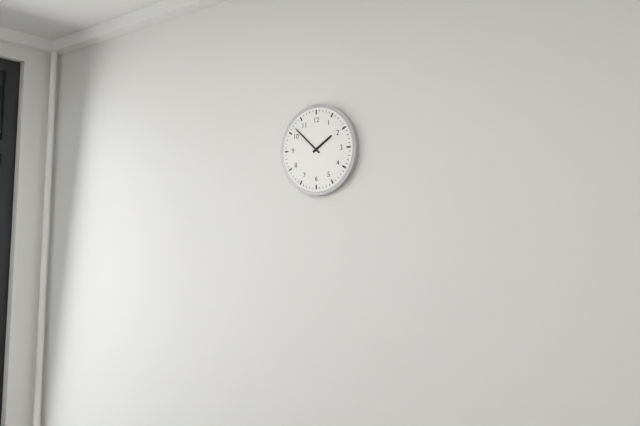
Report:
1:52
